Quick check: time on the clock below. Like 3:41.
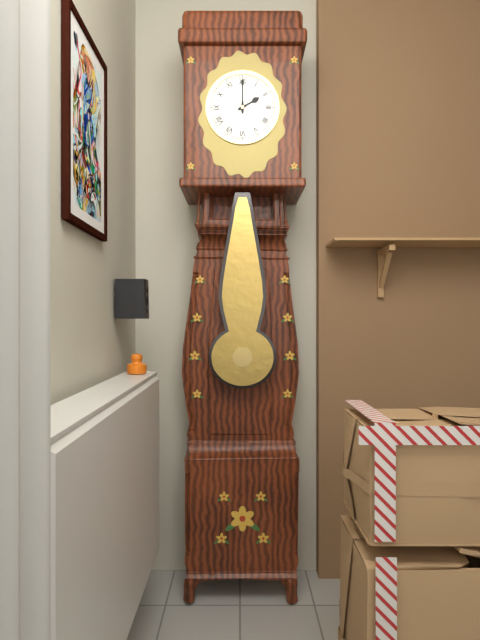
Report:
2:00
